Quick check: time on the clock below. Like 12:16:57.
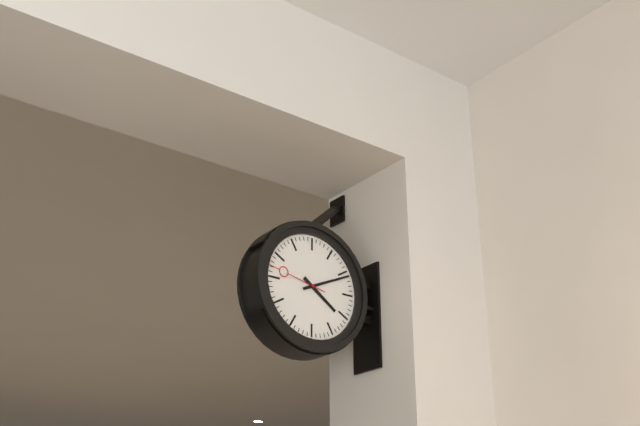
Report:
4:11:47
